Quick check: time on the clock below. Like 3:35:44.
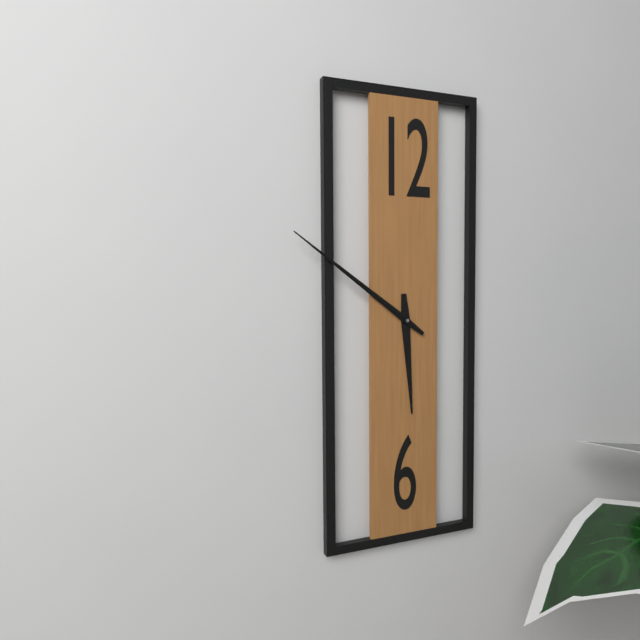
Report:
5:51:51
